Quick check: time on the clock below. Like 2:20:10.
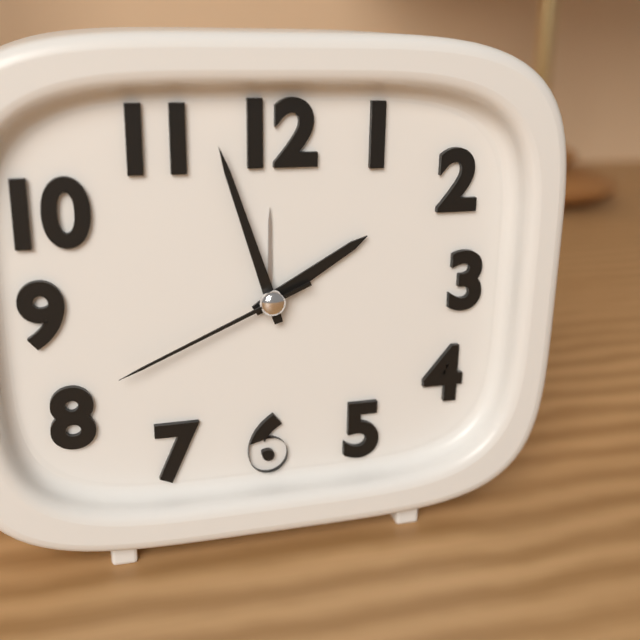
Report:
1:57:41
